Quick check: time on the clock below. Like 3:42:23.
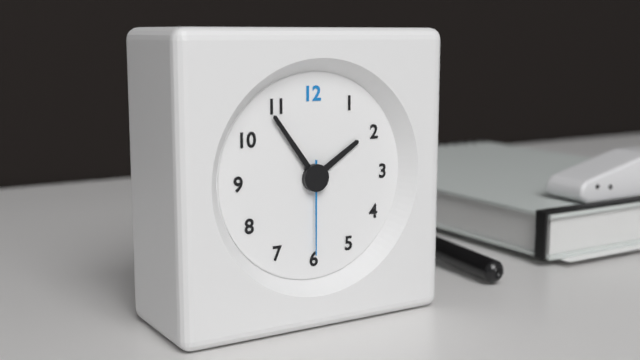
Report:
1:54:30
